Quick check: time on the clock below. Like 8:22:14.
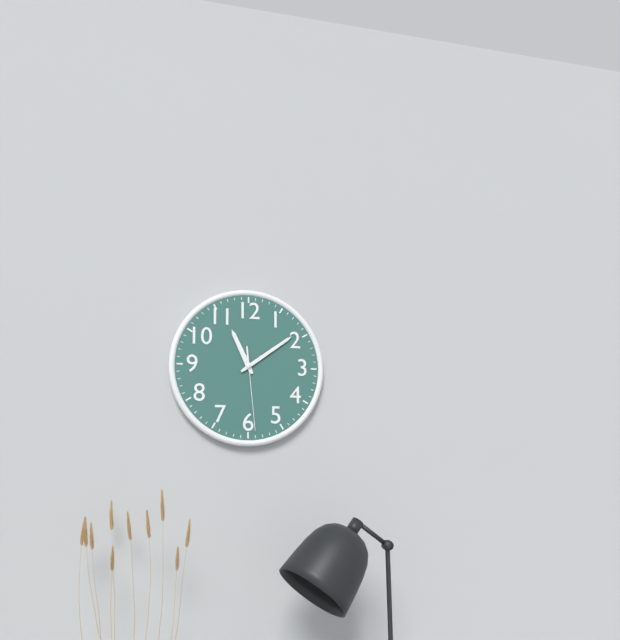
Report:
11:09:29
